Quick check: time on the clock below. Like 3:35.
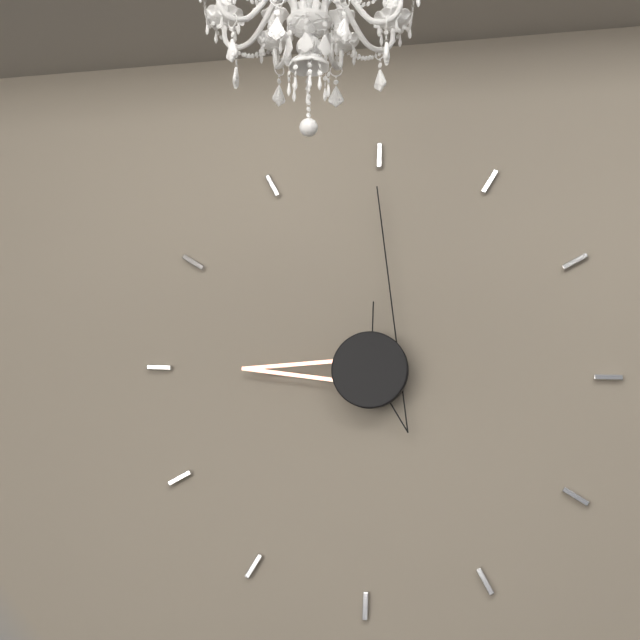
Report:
9:00
